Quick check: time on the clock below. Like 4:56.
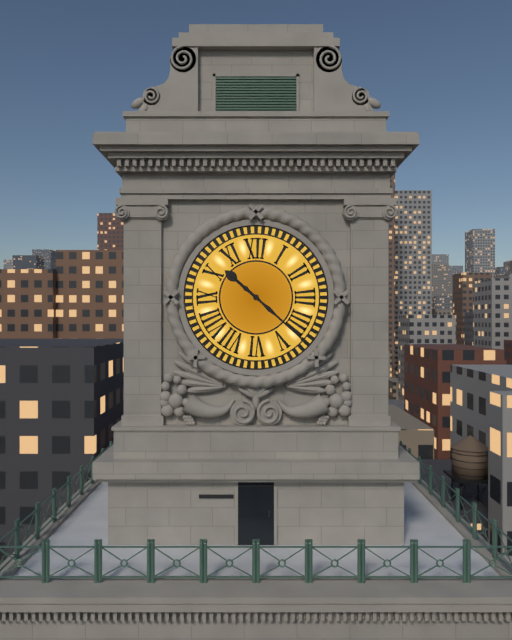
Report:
10:22
